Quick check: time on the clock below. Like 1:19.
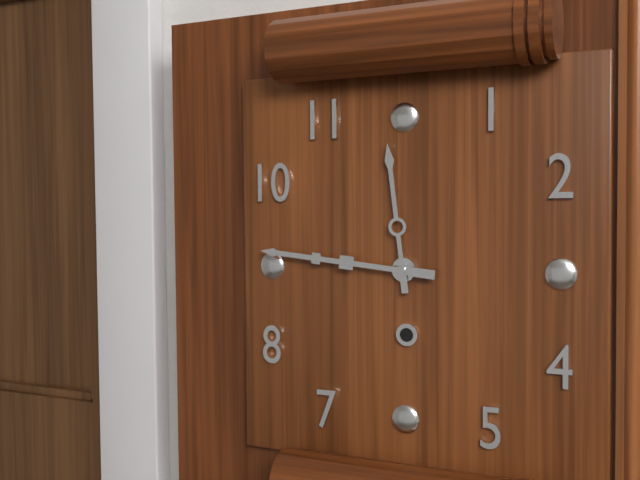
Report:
11:46
